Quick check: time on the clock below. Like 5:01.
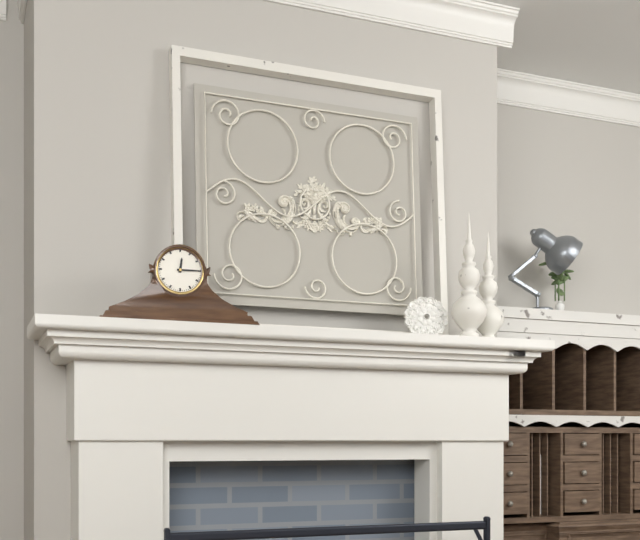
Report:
12:15
